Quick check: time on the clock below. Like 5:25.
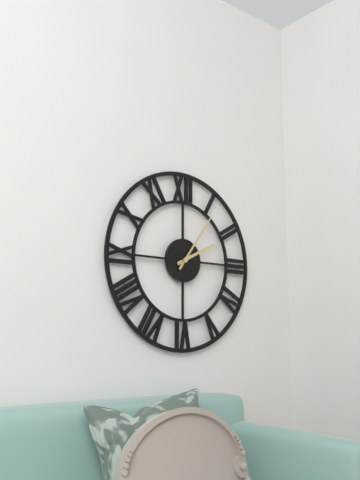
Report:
2:06
